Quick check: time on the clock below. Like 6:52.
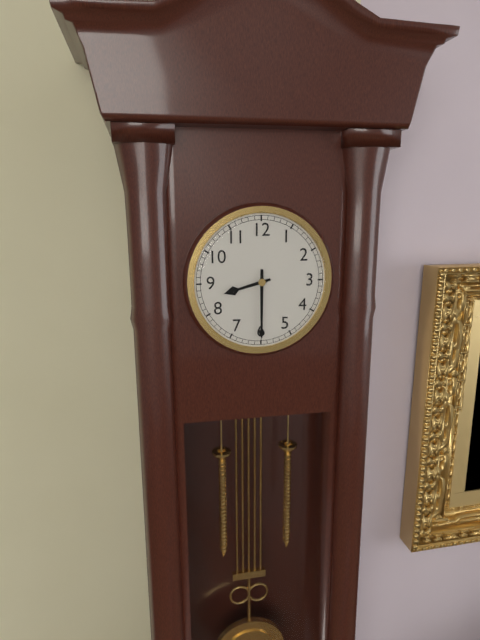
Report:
8:30
